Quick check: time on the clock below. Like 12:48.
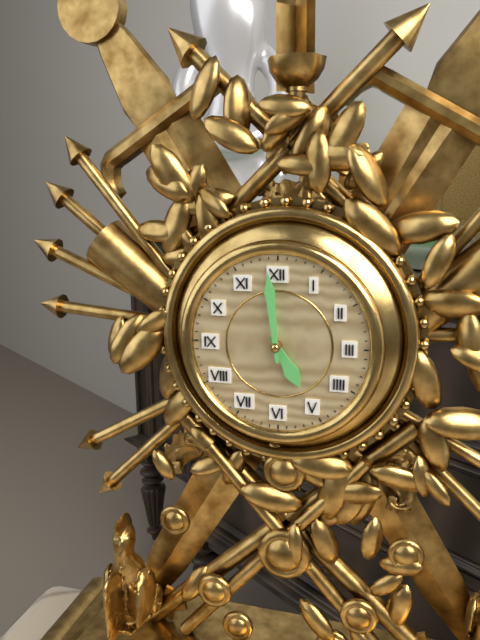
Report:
4:59
